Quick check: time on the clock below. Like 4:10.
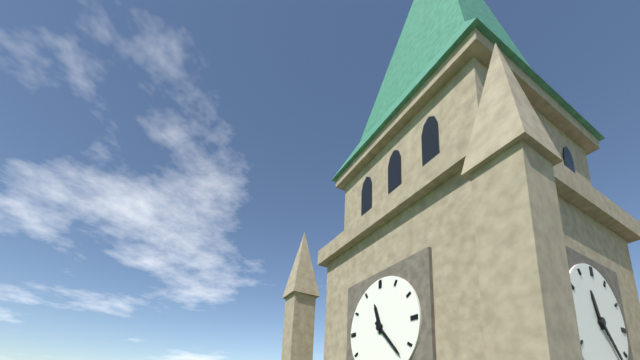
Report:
11:23
